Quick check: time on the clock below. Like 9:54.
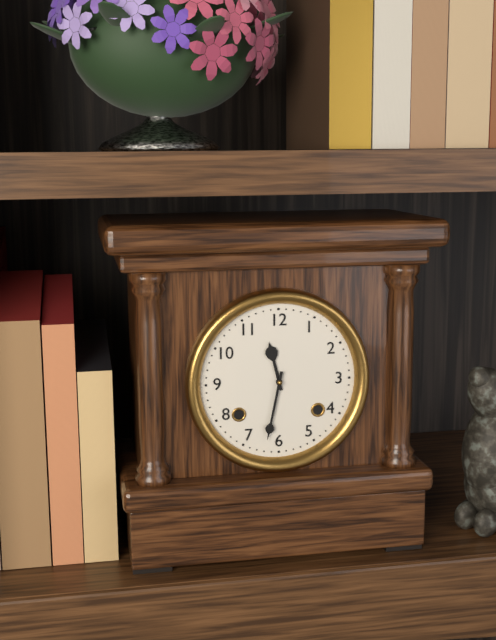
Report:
11:32
